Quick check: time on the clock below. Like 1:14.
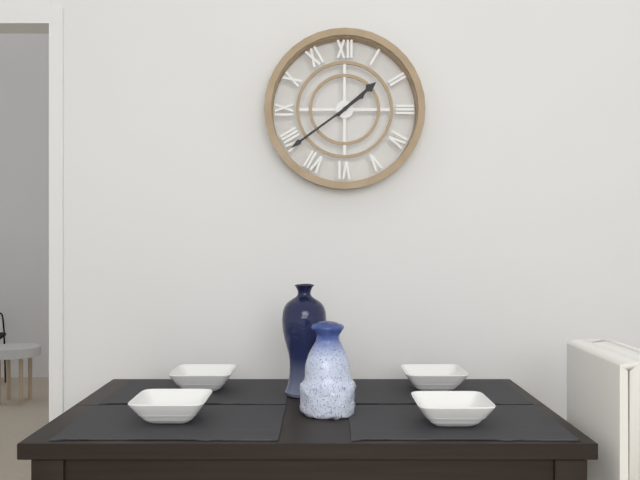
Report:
1:39
